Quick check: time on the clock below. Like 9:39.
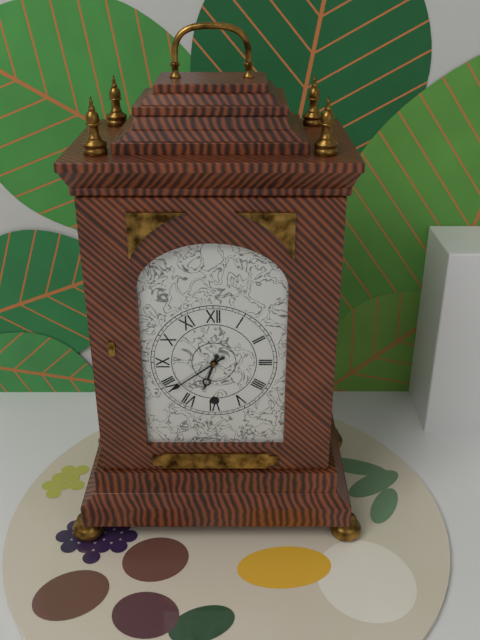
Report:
6:39
